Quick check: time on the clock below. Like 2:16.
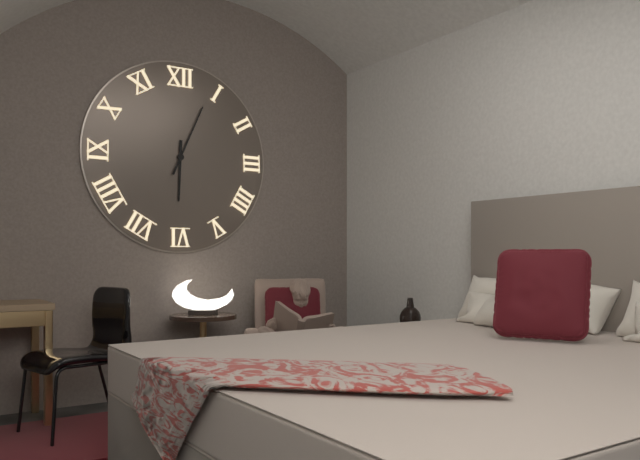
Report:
6:04
